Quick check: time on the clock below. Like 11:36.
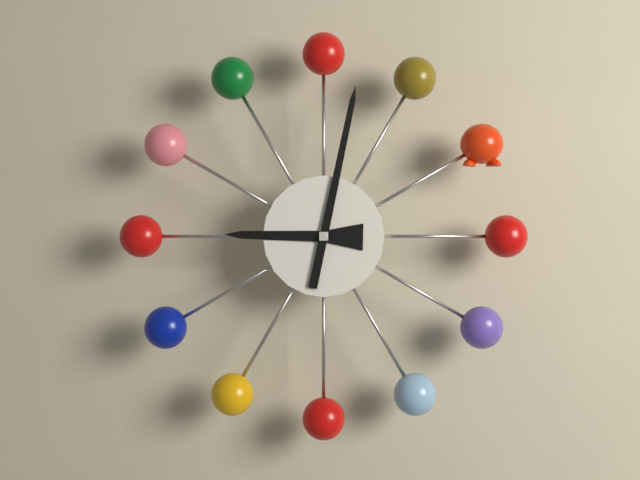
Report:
9:02
